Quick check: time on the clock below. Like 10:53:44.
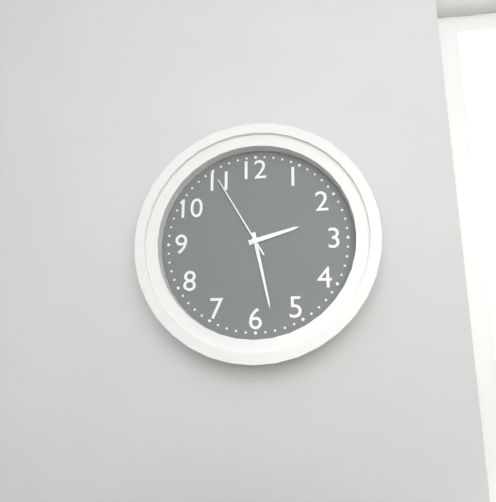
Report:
2:28:55
